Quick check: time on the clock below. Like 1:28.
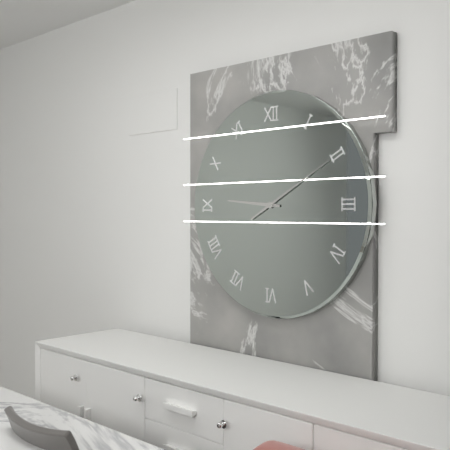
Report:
9:10
